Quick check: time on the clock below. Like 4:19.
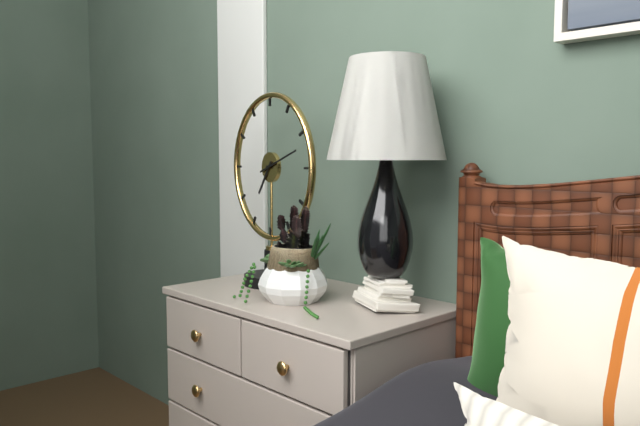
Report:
7:12
